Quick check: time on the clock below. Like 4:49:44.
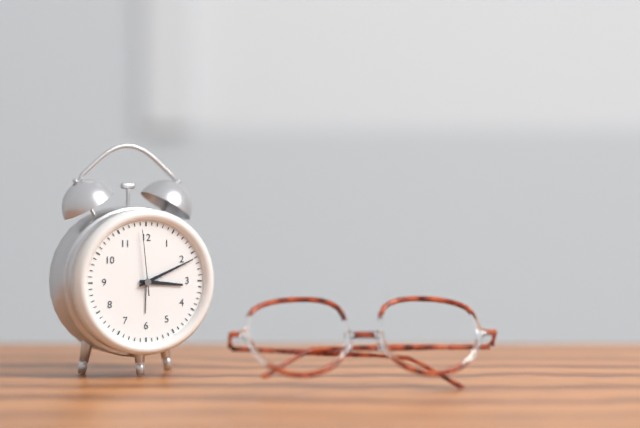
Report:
3:11:59
